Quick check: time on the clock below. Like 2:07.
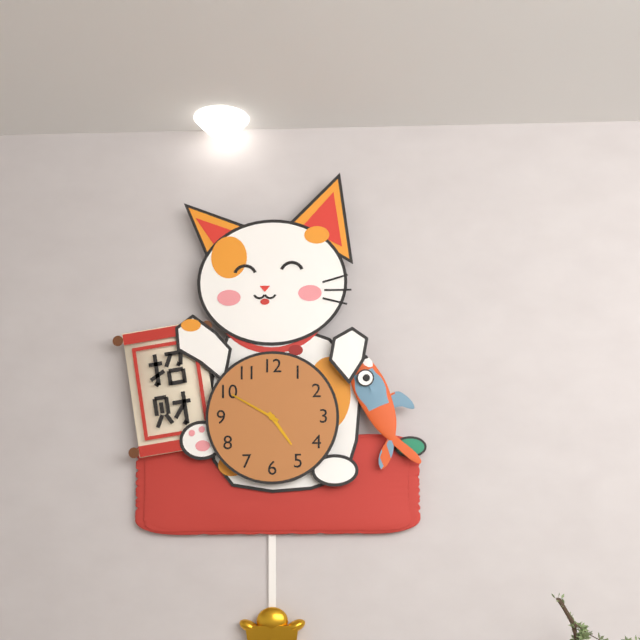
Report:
4:50
